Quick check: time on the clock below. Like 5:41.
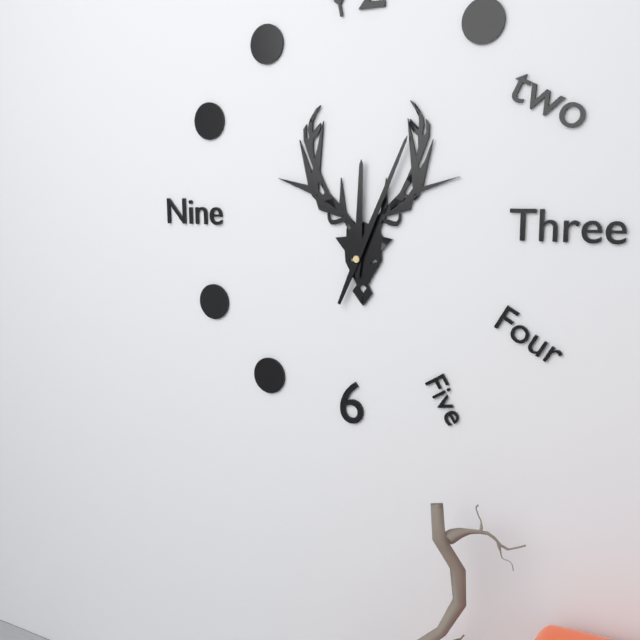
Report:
12:04
